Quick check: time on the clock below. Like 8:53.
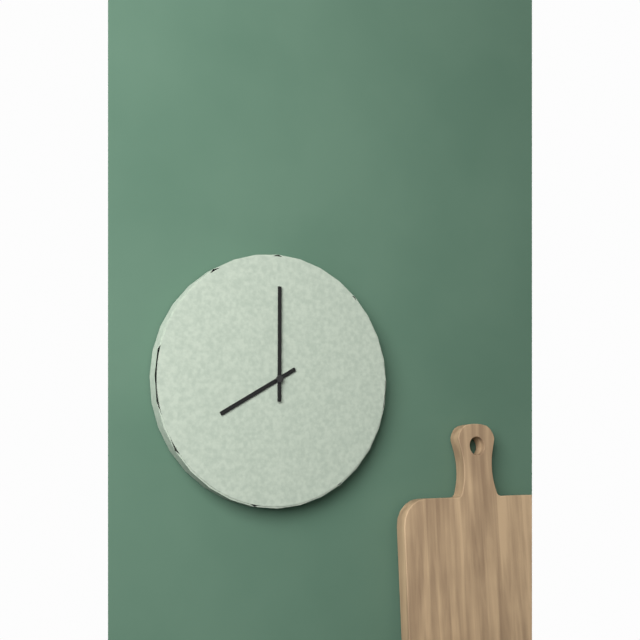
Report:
8:00
